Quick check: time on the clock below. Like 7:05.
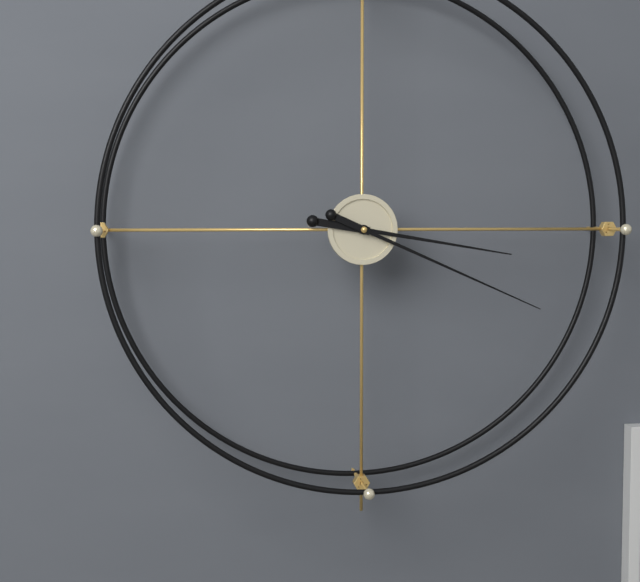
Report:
3:19
